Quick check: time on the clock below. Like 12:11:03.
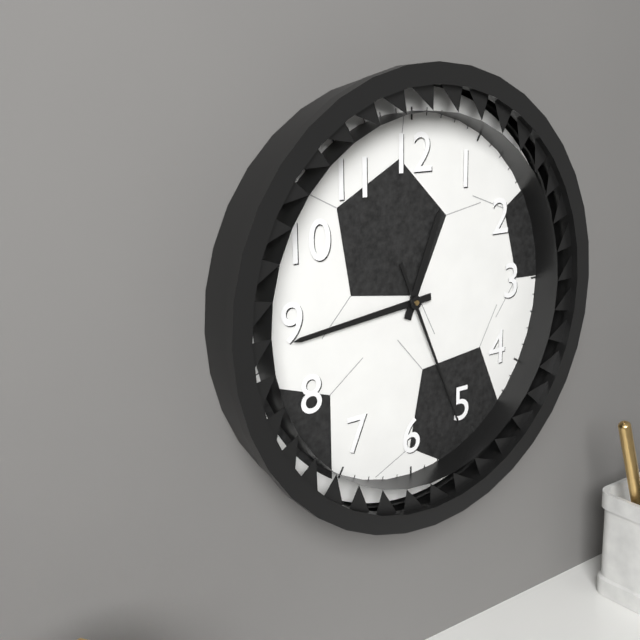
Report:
12:44:26
